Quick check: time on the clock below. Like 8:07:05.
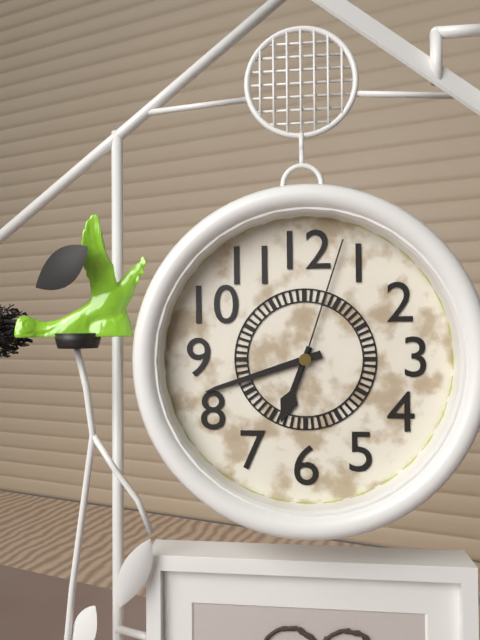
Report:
6:42:03
